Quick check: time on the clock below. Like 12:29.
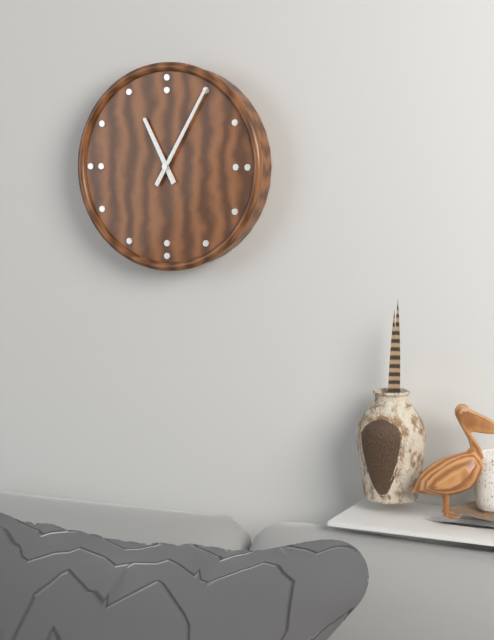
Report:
11:05
